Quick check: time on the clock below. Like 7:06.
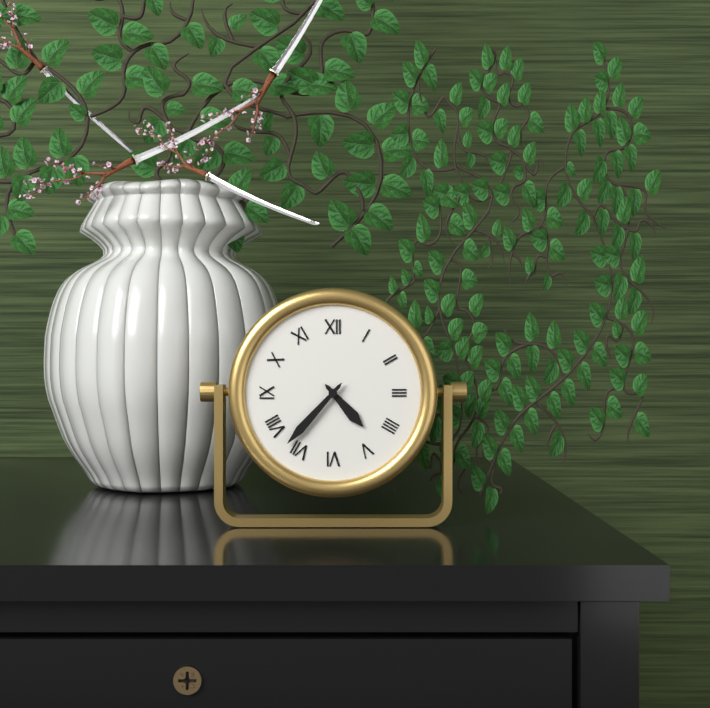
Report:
4:37
